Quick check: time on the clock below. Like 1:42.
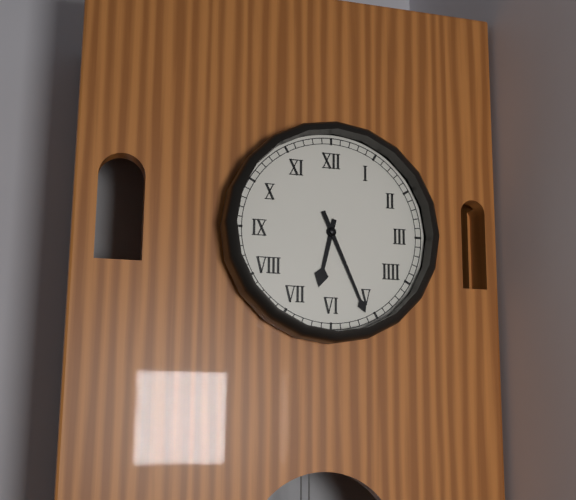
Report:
6:26
